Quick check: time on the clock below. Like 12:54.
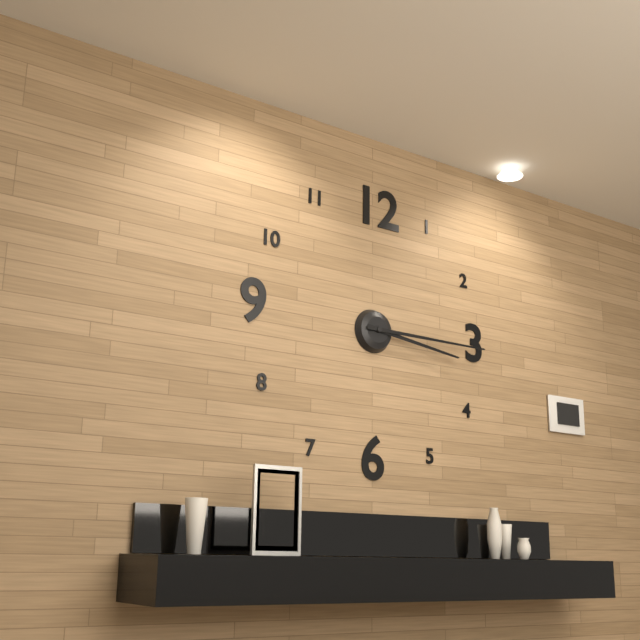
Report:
3:15
